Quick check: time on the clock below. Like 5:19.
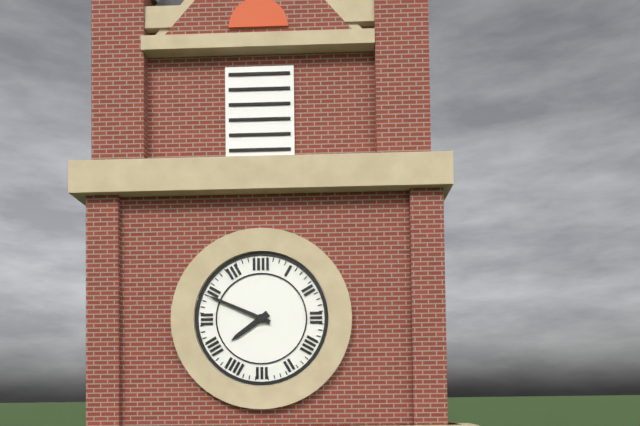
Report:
7:49
